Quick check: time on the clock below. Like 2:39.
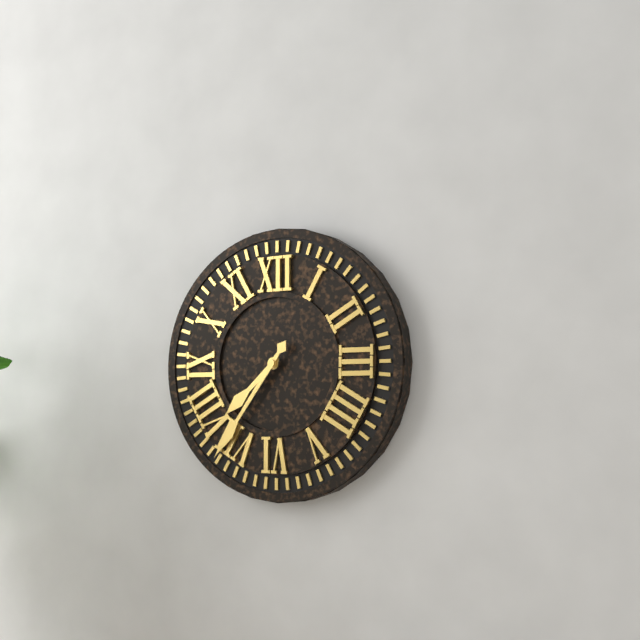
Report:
7:36
